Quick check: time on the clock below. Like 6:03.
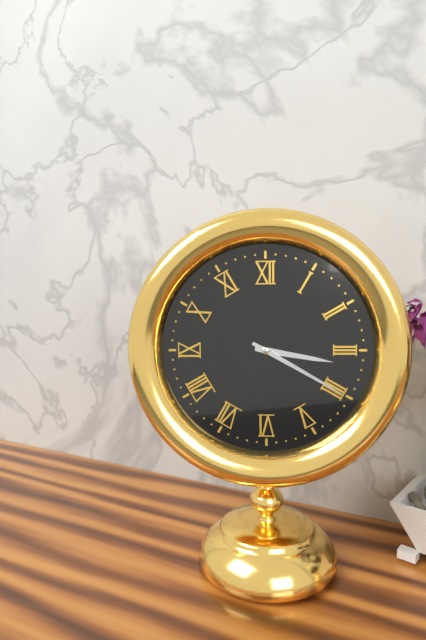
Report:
3:20
